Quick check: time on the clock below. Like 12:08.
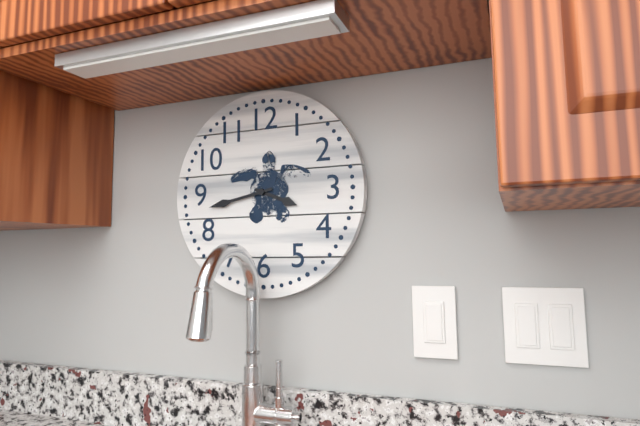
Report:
3:43
